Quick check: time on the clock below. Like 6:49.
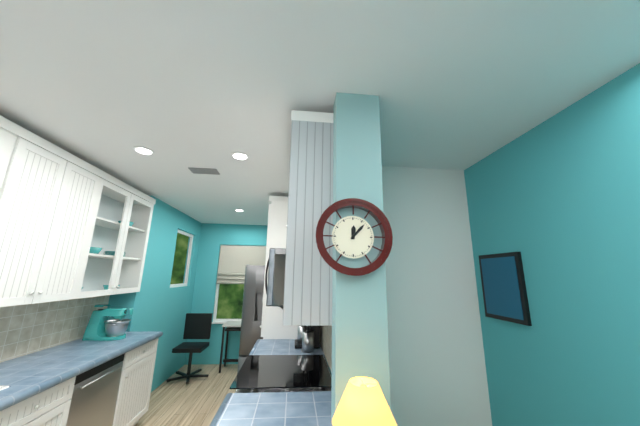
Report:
12:07
